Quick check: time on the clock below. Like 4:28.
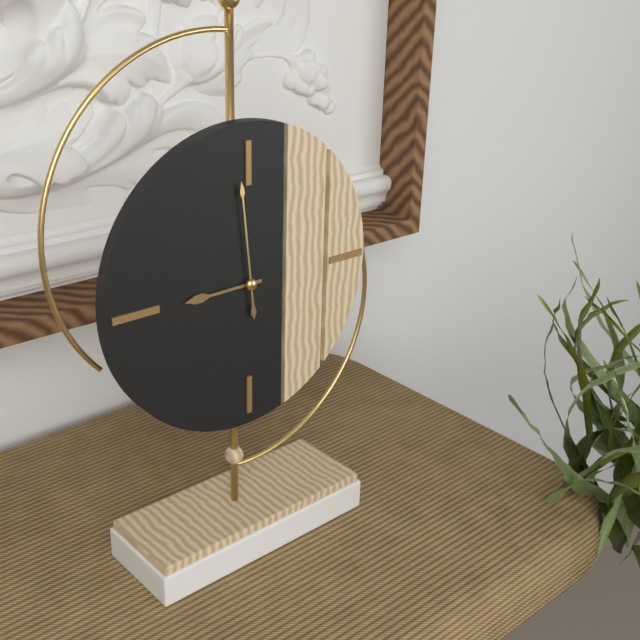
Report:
8:59
